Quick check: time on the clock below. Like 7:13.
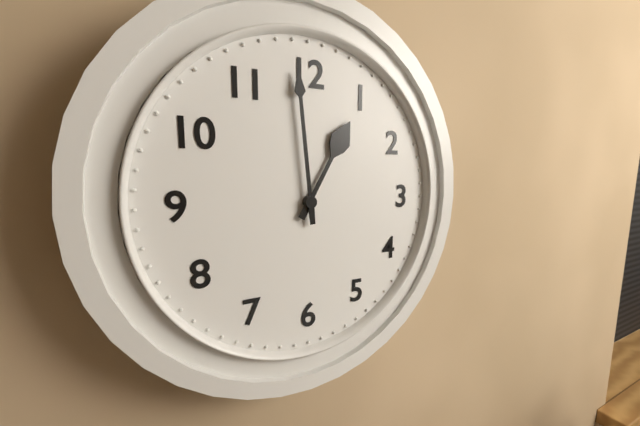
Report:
12:59
